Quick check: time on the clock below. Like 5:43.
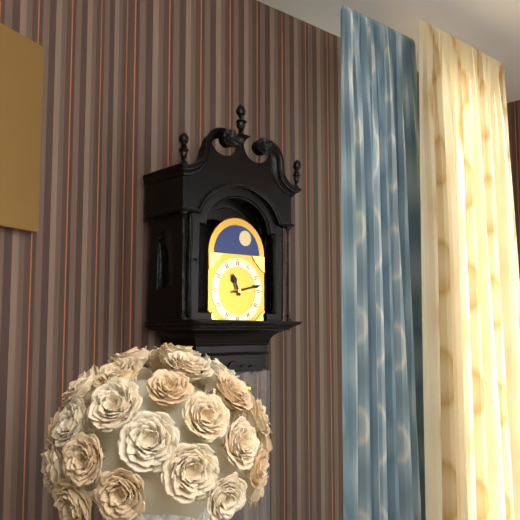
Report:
11:13
